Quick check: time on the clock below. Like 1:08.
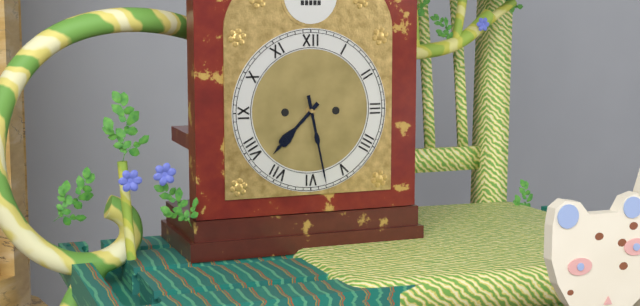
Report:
7:28
